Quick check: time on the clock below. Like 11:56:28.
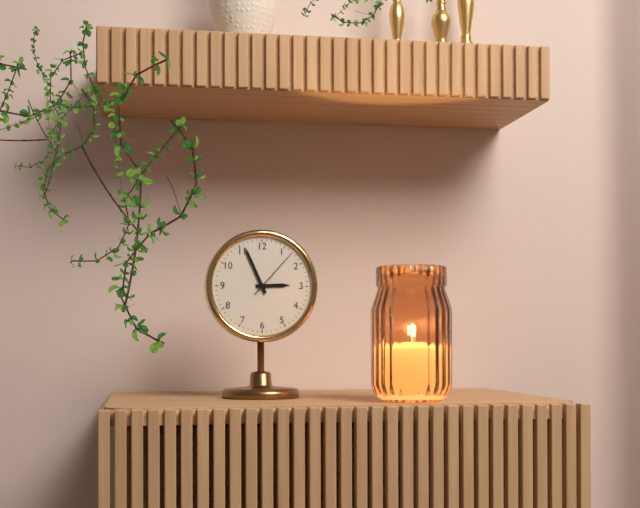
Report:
2:56:07
